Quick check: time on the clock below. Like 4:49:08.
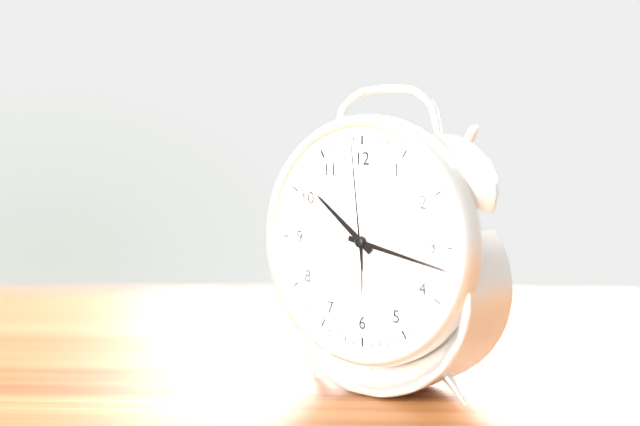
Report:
10:17:59
